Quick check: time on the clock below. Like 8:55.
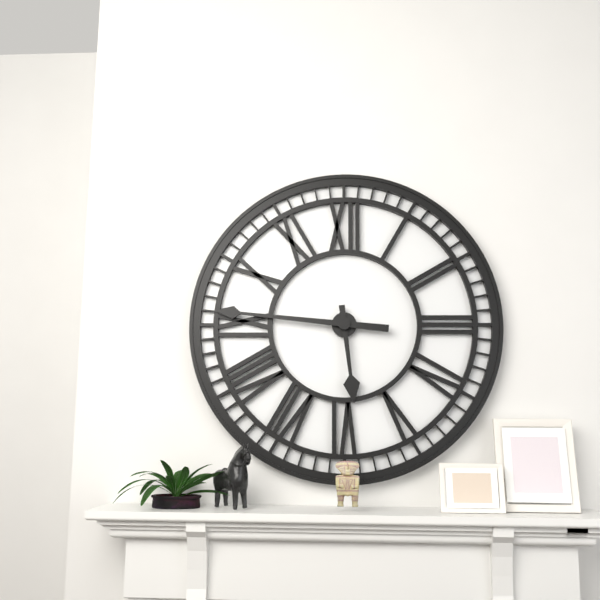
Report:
5:46
